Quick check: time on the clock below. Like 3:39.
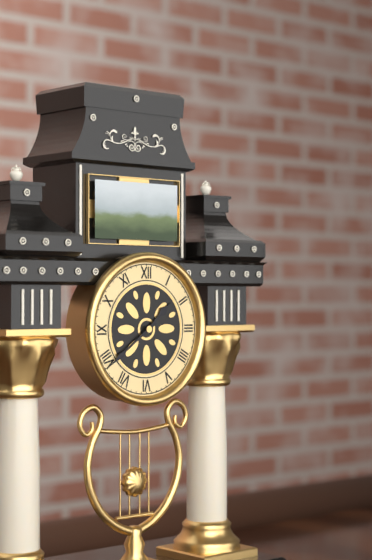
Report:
1:39
